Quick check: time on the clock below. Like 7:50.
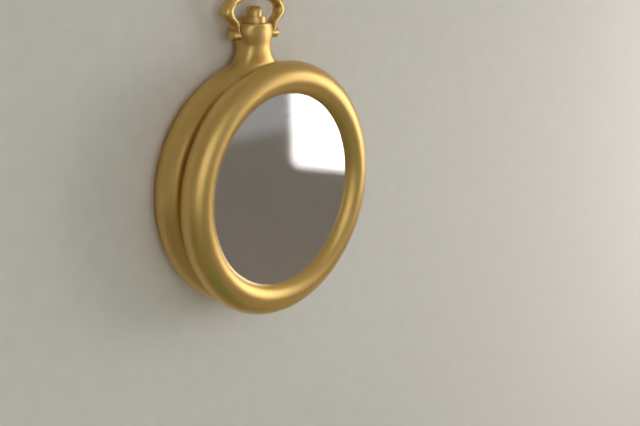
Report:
9:34
